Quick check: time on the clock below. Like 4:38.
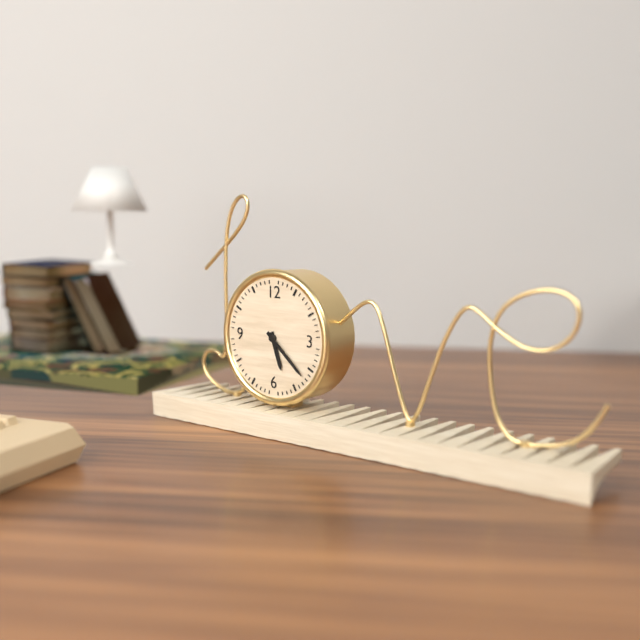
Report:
5:22
